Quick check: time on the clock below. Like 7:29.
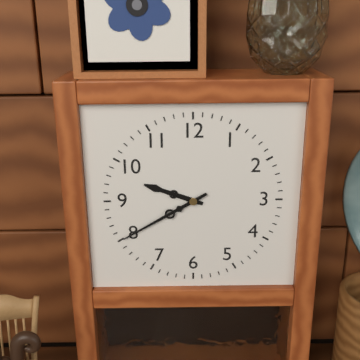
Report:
9:40
